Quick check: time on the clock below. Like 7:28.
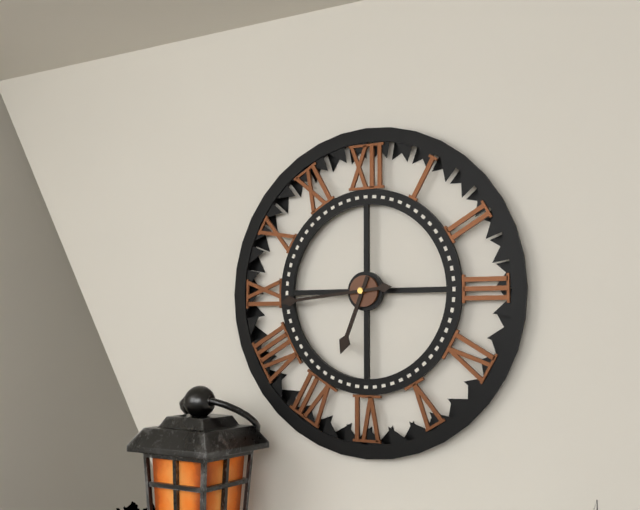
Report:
6:44
